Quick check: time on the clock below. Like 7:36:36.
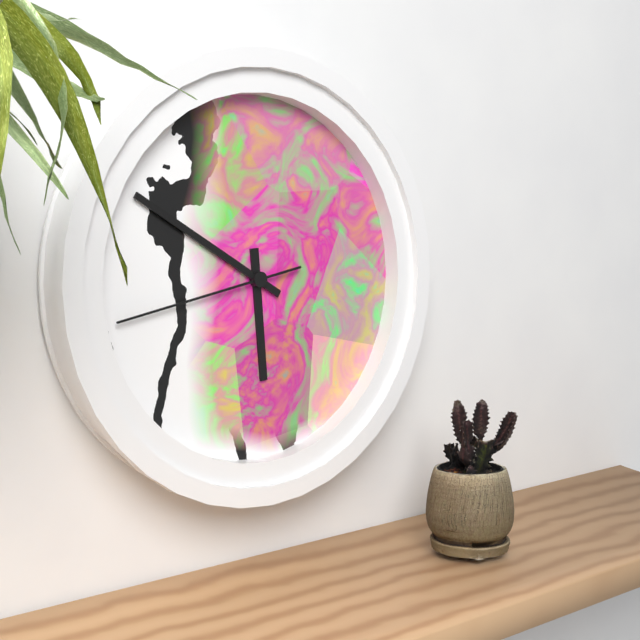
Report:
5:50:43
